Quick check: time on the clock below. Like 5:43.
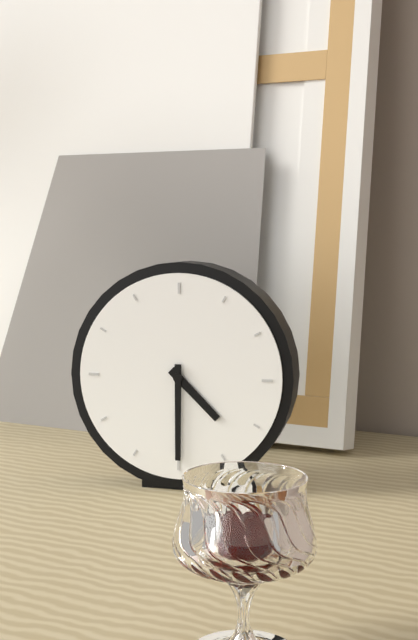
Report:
4:30
